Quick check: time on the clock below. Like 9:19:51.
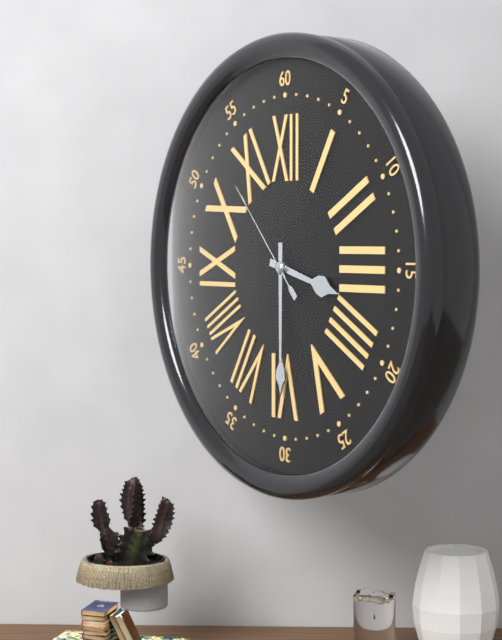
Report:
3:30:53
